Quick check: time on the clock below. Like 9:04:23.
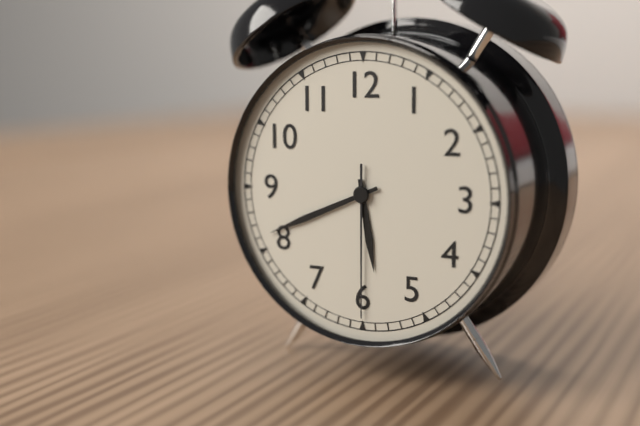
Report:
5:41:30
